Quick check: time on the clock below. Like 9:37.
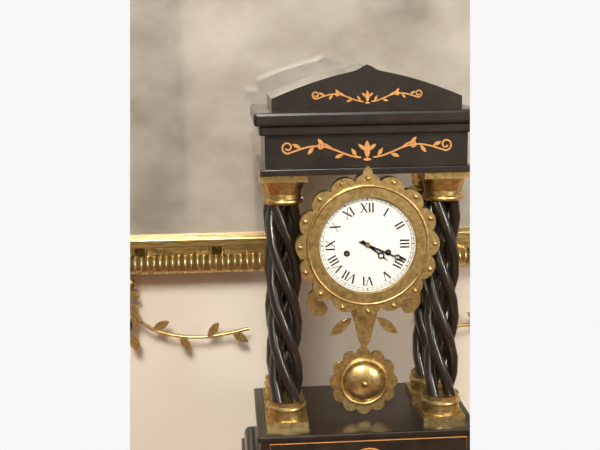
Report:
4:19
